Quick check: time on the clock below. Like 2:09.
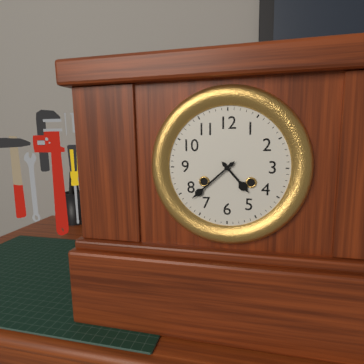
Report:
4:38
